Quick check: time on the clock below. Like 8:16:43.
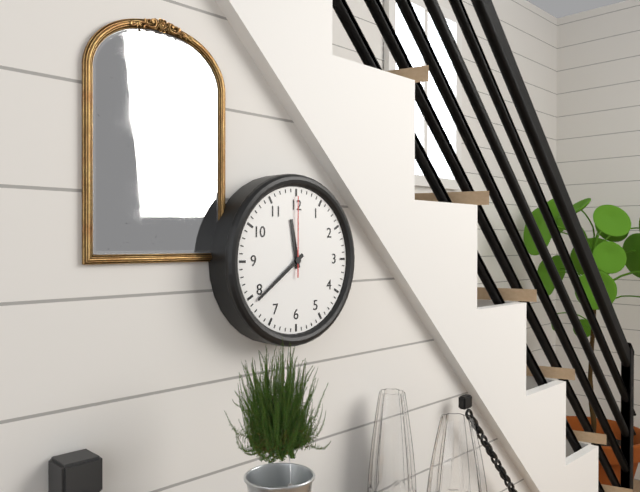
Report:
11:39:00
